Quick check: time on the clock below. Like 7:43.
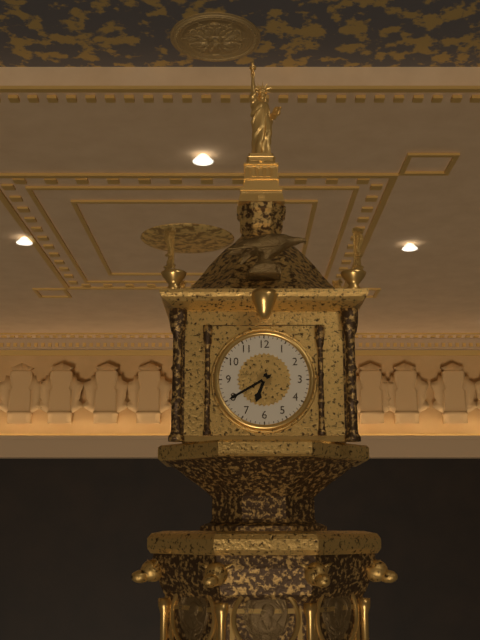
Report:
6:40
